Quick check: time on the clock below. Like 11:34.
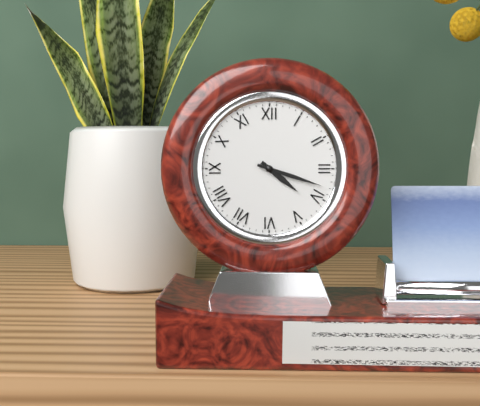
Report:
4:18
